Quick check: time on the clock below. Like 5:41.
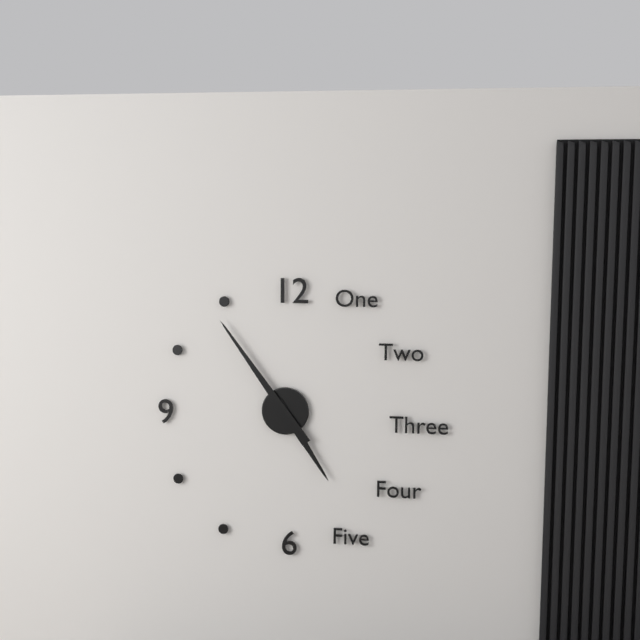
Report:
4:54
